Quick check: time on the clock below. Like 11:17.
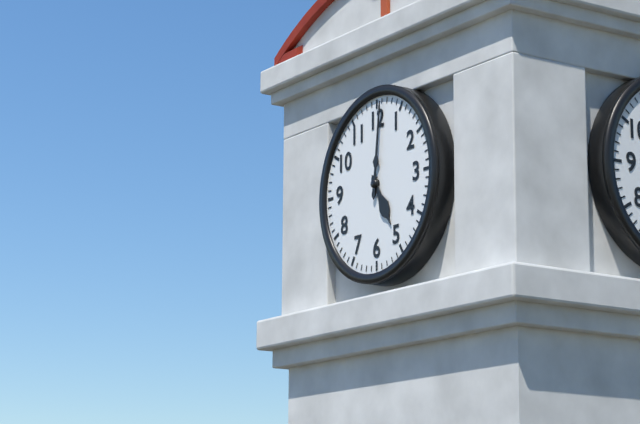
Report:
5:01
